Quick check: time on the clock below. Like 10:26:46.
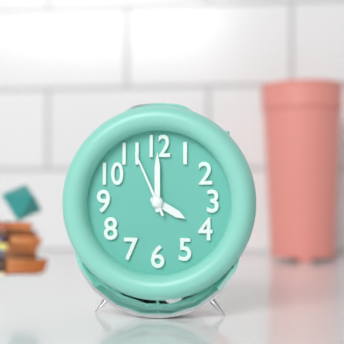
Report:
4:00:56
